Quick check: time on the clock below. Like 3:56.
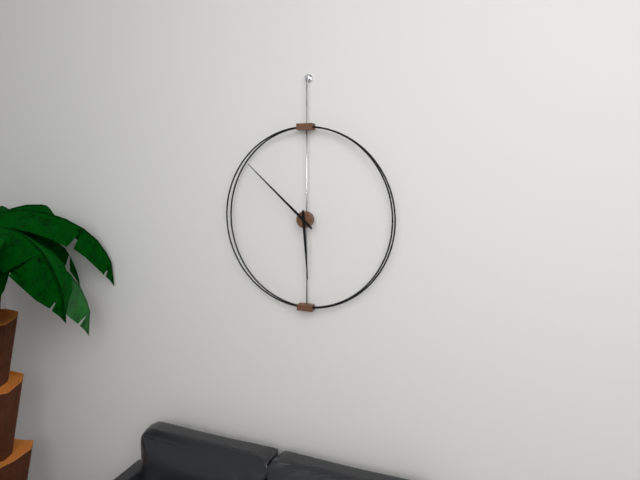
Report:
5:52
